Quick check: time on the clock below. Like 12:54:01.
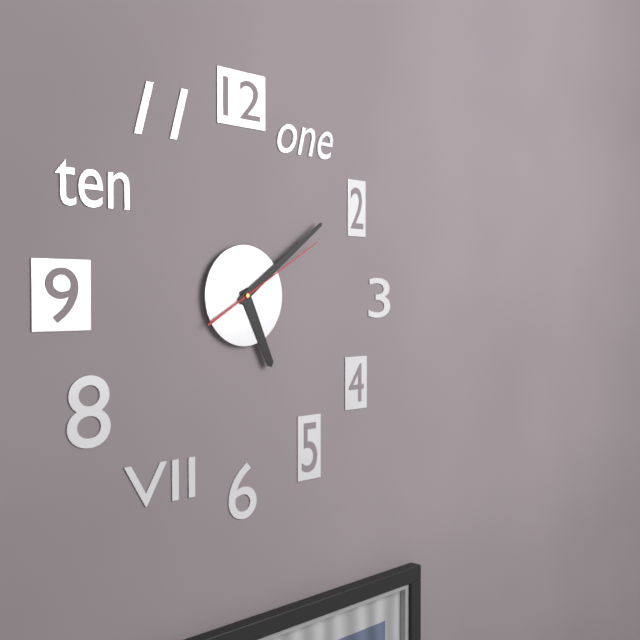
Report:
5:09:10
